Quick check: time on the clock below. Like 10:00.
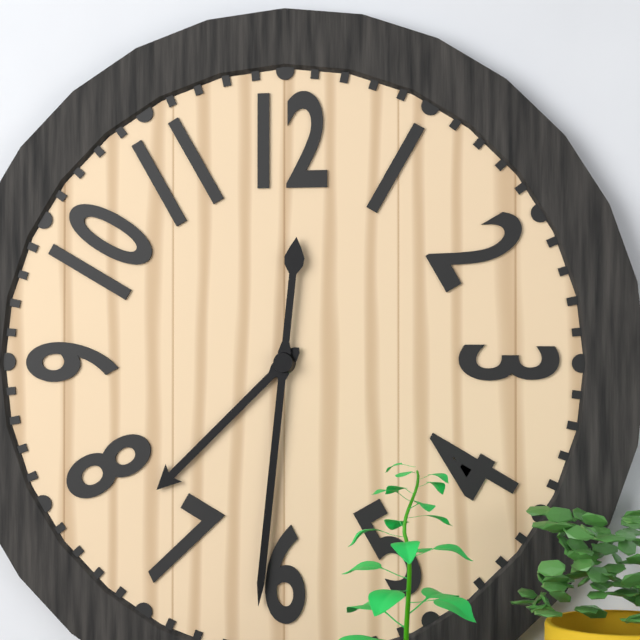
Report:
7:31
